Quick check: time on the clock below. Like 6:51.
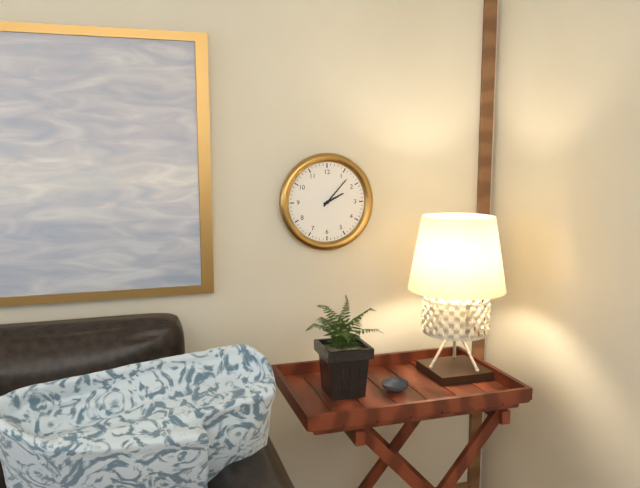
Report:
2:07
